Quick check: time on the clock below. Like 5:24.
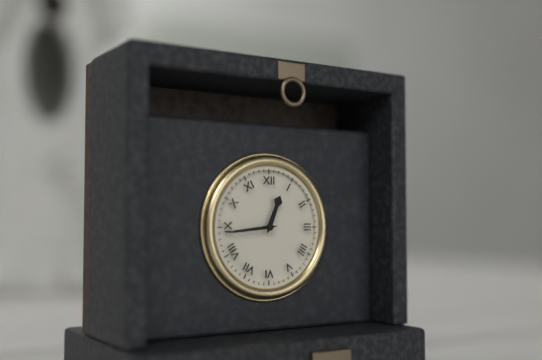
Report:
12:44
